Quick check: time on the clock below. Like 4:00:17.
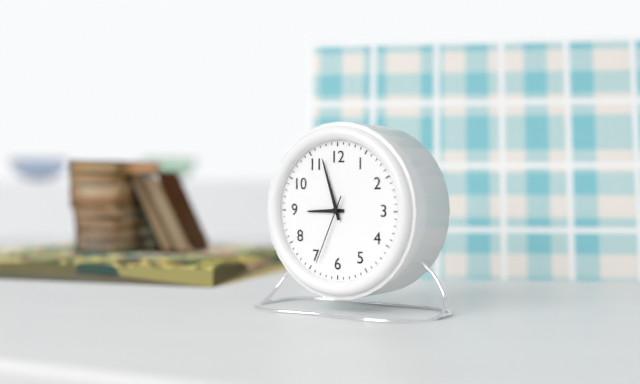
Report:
8:57:34
